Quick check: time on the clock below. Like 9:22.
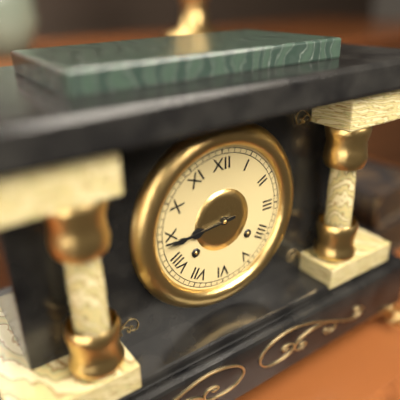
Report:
8:44
